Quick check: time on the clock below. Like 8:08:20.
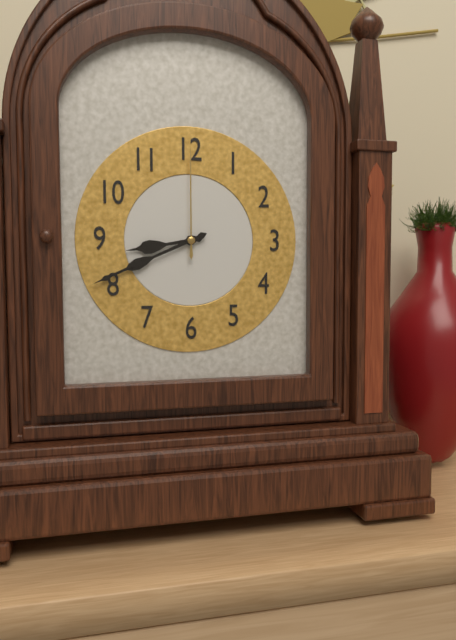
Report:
8:41:00
